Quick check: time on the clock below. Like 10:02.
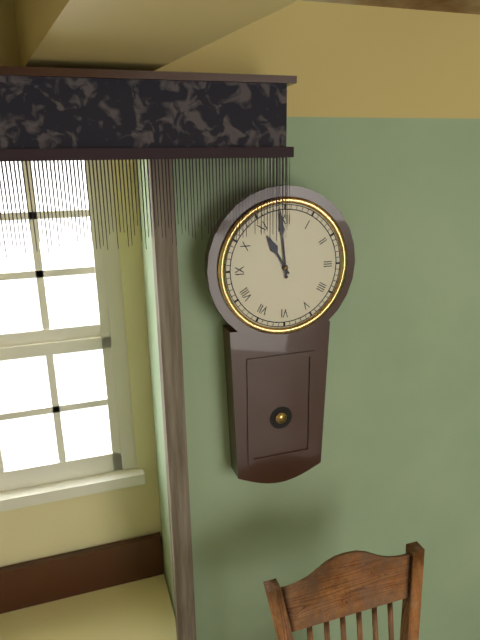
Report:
10:59
